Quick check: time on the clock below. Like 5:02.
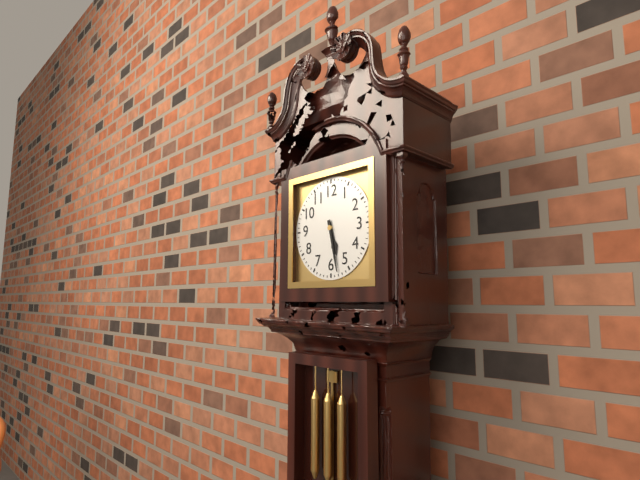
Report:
5:28
